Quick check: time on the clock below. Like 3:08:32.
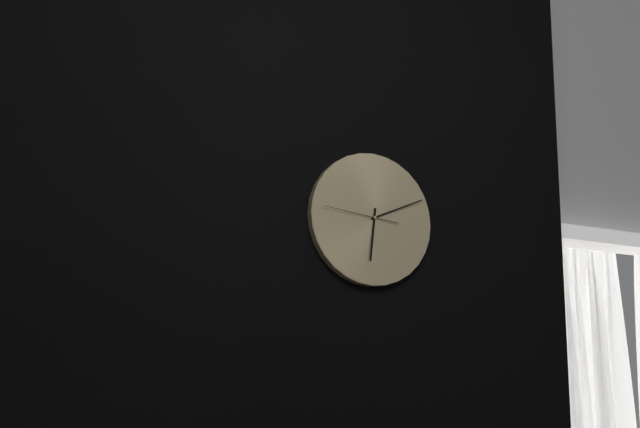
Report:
6:11:46
